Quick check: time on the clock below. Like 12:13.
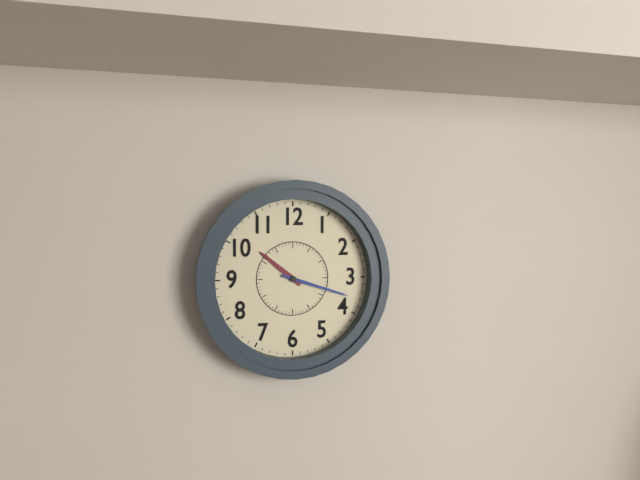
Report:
10:18
